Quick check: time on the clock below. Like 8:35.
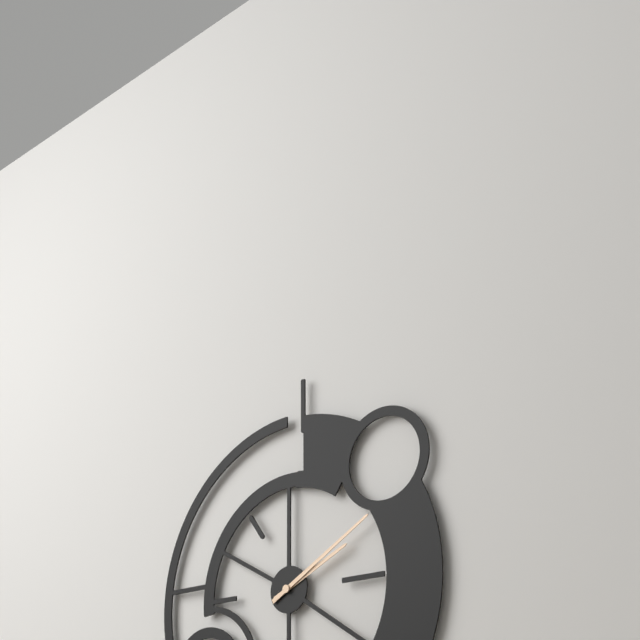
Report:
2:10
